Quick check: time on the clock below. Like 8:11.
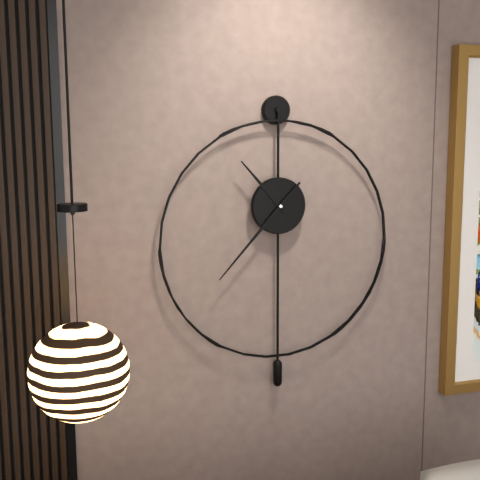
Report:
10:37
